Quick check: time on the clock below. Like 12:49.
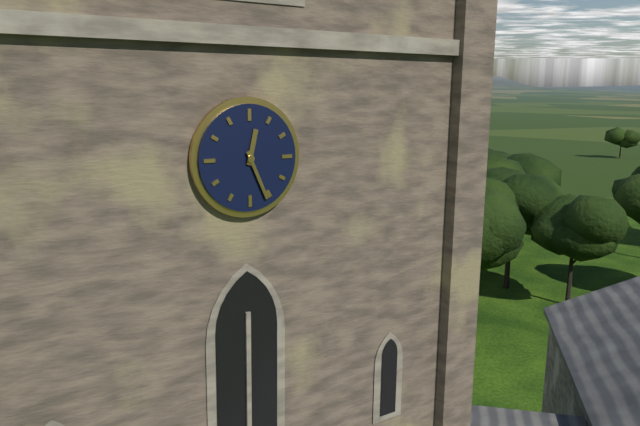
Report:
12:26
